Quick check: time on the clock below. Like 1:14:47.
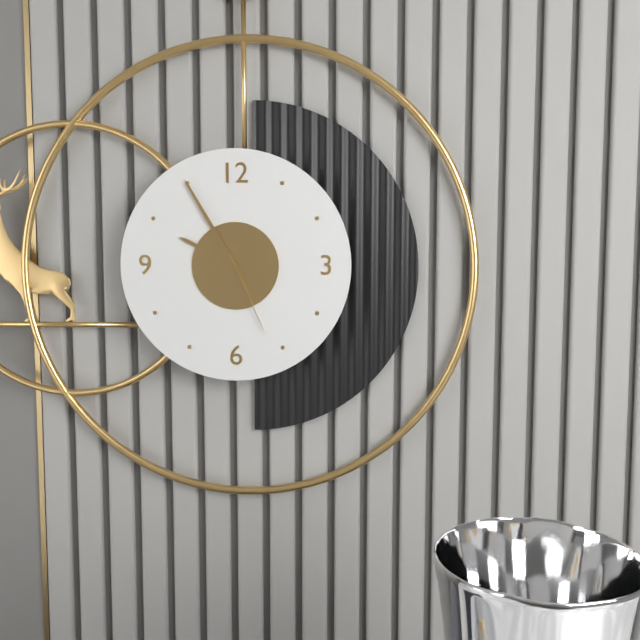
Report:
9:55:26
